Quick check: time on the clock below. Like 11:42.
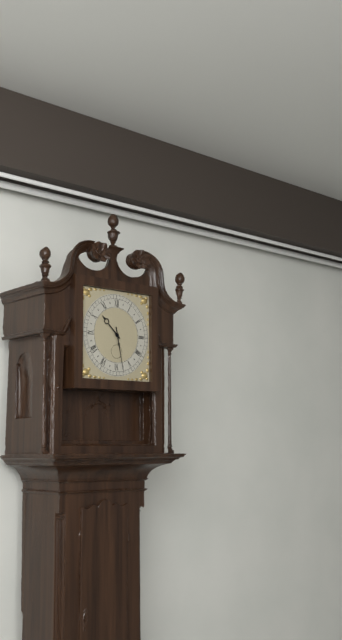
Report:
10:28
